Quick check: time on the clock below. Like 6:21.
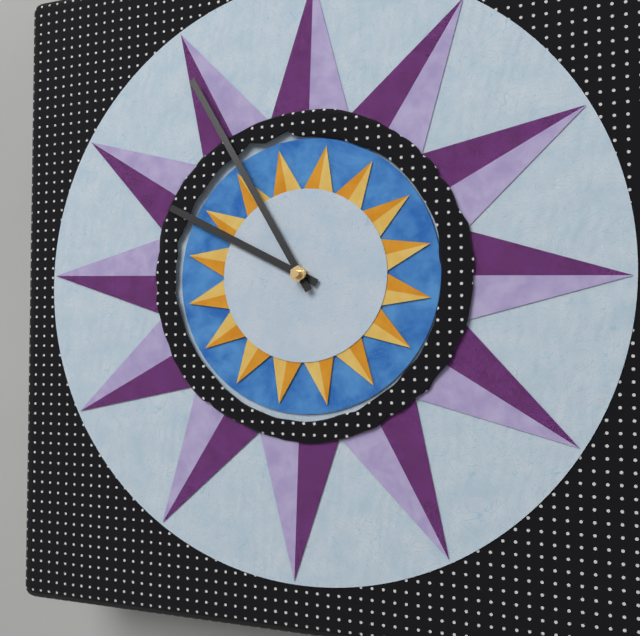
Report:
9:55
